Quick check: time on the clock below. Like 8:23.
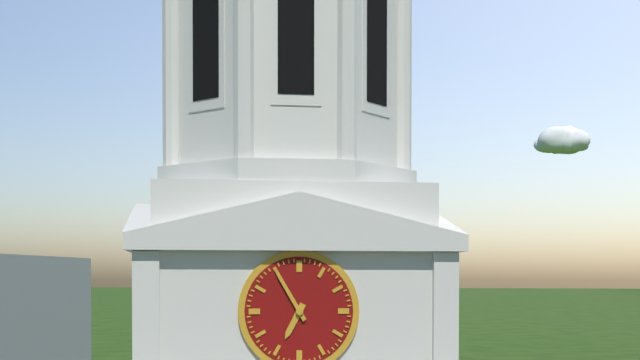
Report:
6:55
